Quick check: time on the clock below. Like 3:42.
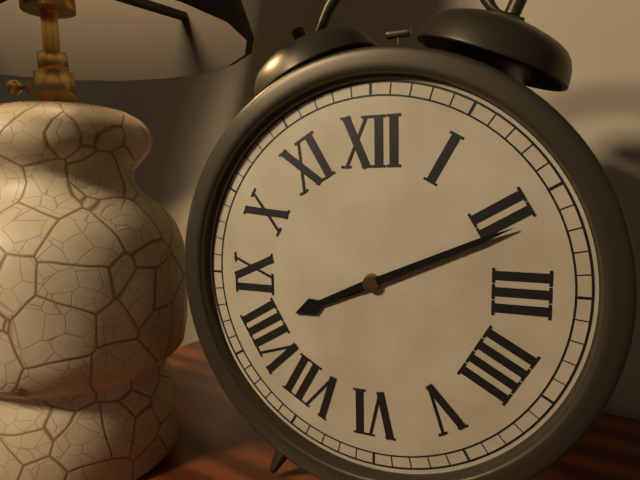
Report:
8:11
